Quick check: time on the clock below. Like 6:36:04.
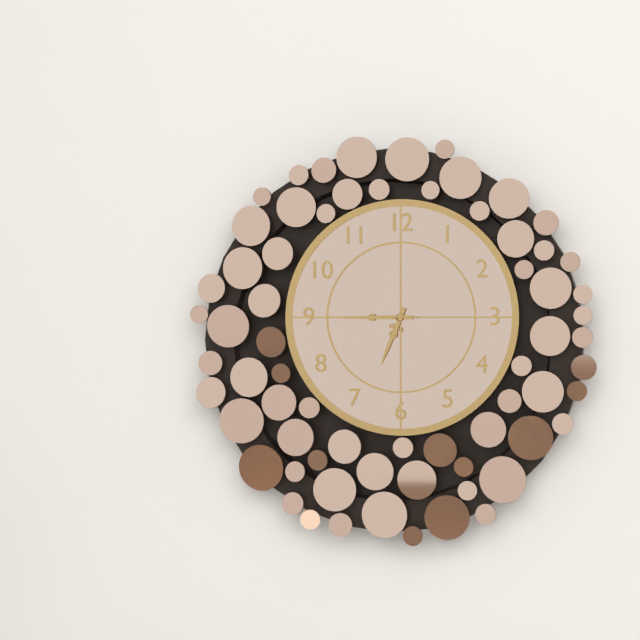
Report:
6:45:45
